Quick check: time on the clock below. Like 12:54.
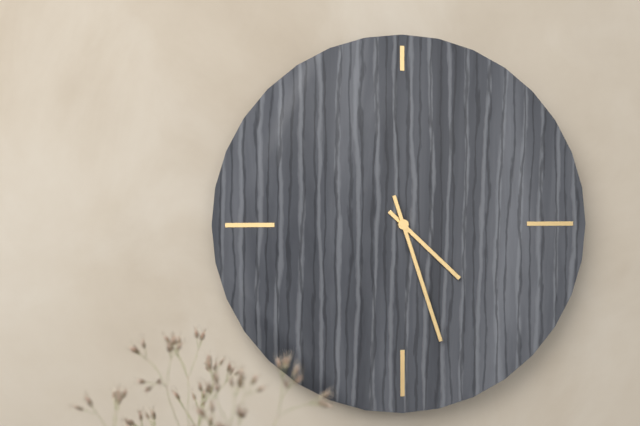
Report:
4:27
